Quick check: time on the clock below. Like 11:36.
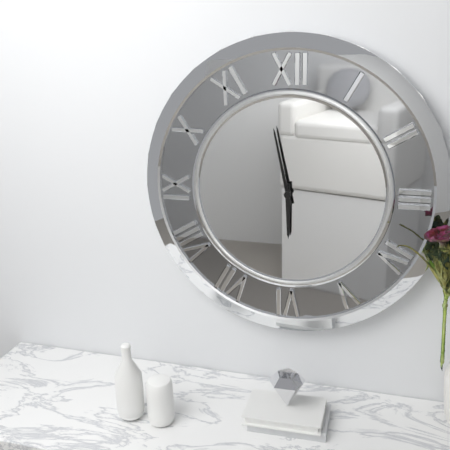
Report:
5:58
